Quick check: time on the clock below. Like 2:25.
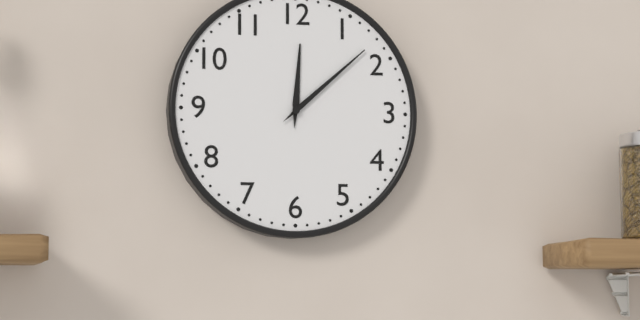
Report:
12:08
